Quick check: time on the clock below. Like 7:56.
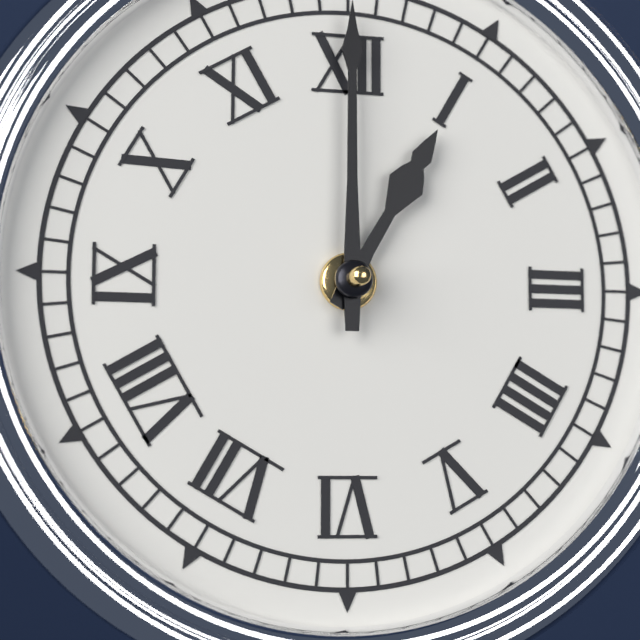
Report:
1:00
